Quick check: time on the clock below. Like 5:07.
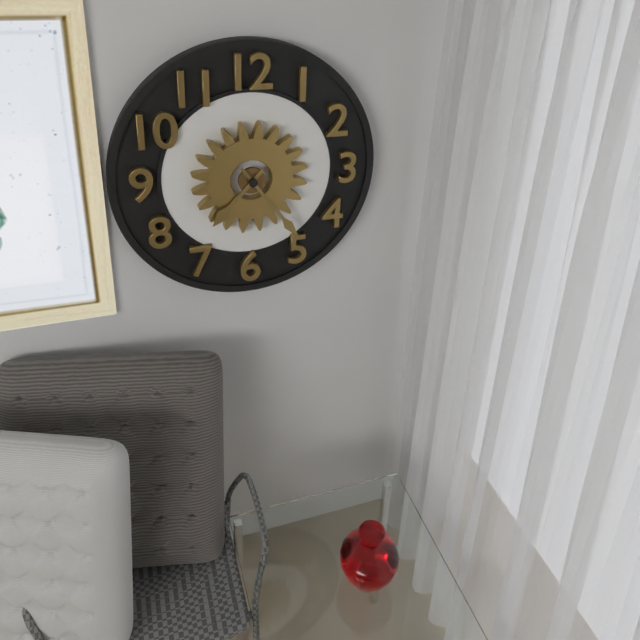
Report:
7:24
